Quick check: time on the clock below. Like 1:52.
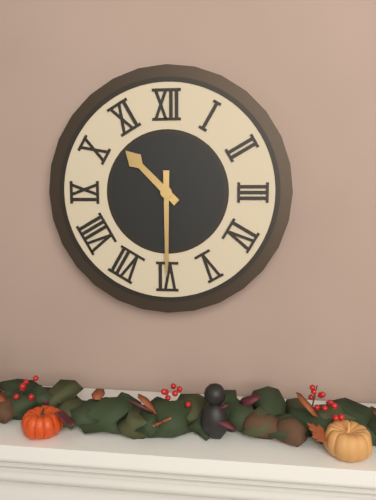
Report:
10:30
